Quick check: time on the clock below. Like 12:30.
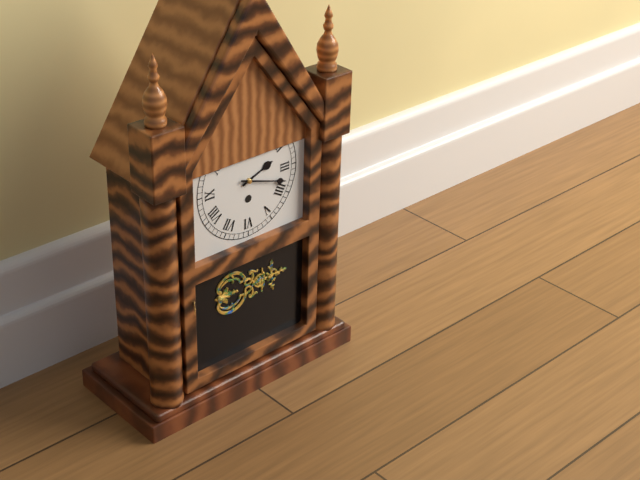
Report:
2:18
